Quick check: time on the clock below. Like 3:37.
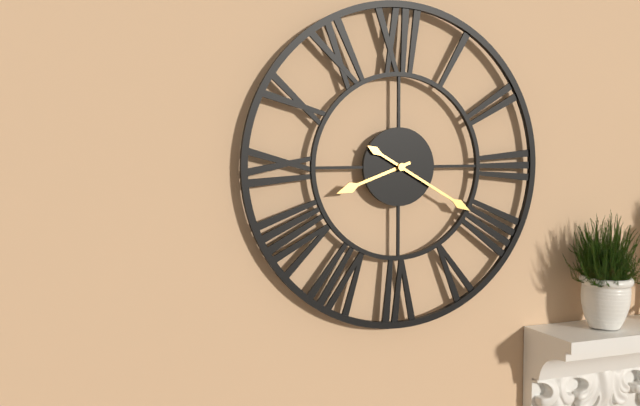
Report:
8:20
